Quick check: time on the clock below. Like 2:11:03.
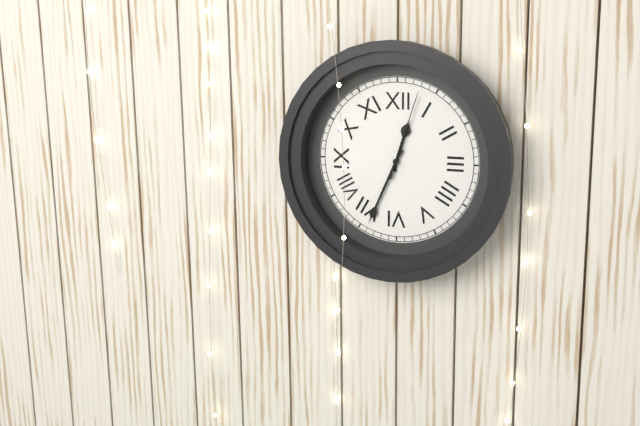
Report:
12:34:03
